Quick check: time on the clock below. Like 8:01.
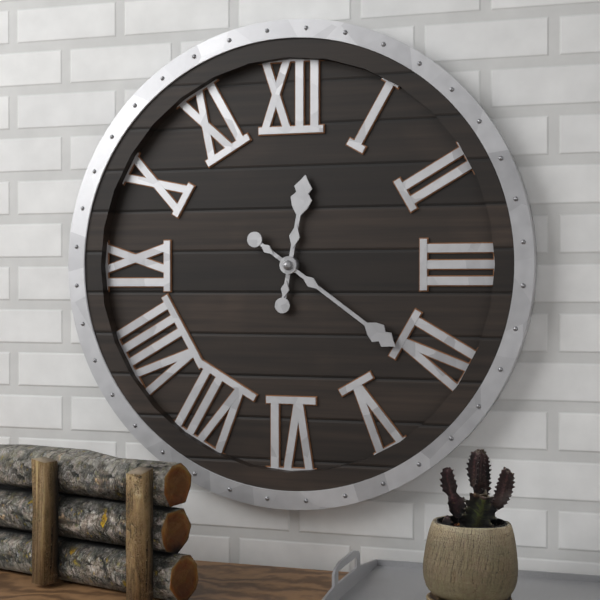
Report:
12:21
